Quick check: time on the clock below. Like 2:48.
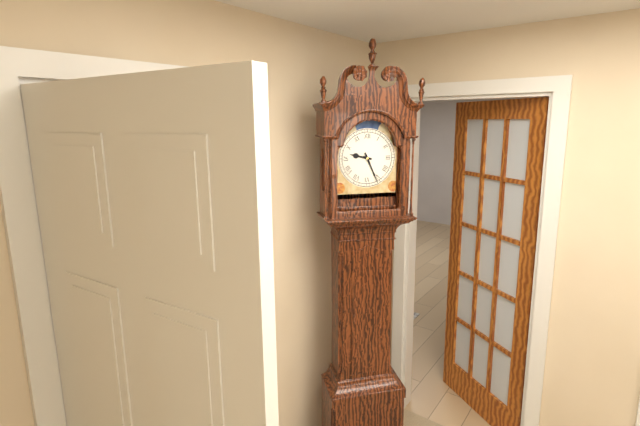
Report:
9:26
